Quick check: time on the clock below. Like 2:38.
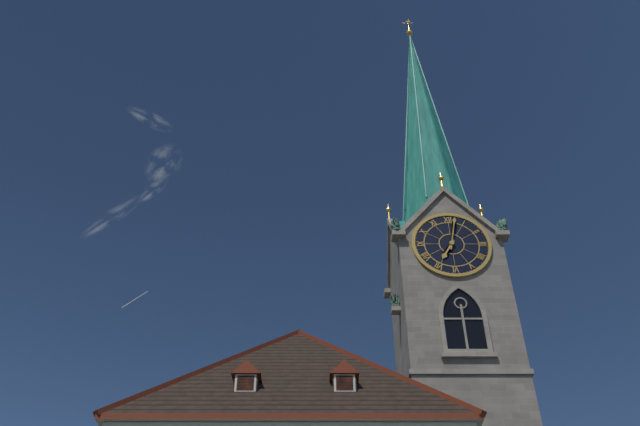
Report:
7:02
